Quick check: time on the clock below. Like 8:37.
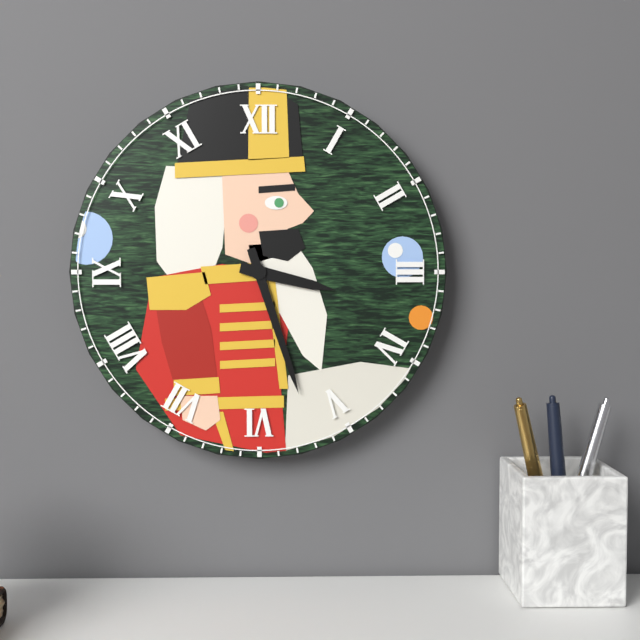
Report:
3:27
